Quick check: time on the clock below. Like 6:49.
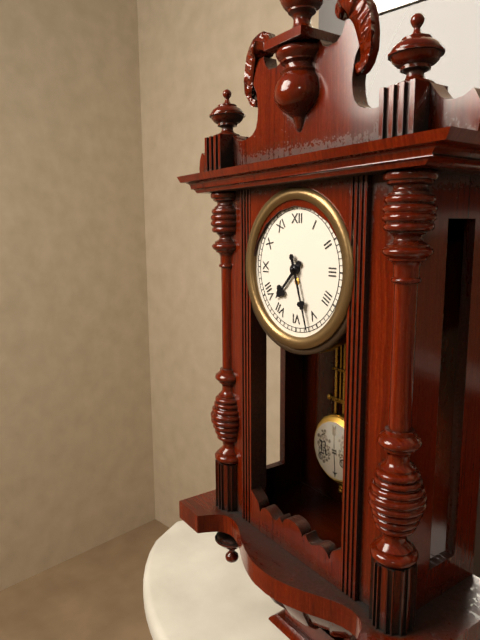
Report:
7:27
